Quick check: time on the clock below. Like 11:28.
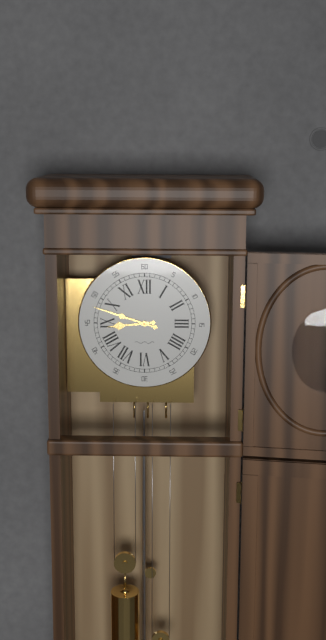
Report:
8:48
